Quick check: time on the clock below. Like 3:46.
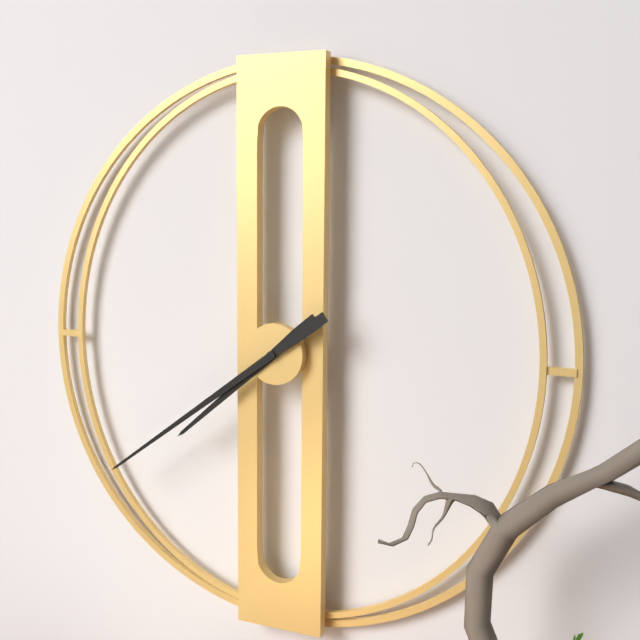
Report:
7:39
